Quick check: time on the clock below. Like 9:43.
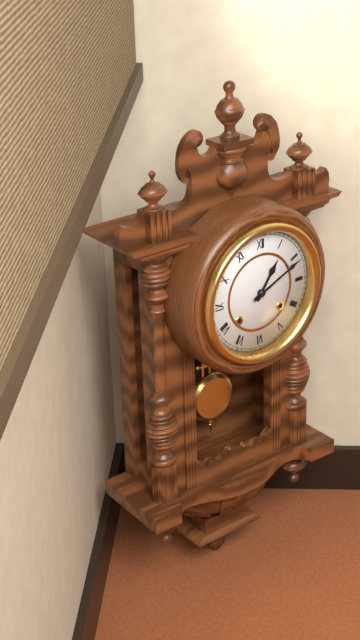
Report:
1:11
